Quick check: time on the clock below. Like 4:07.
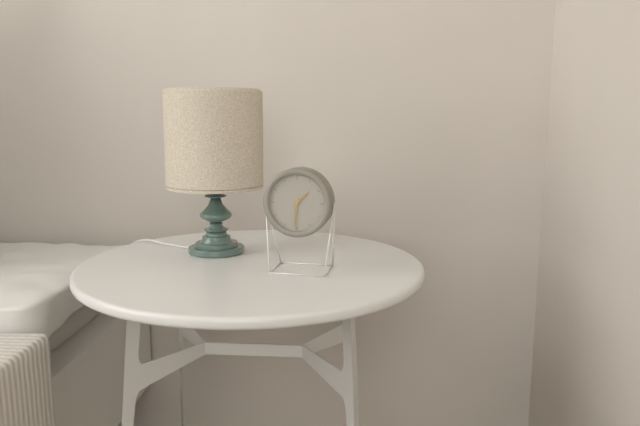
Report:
1:31
